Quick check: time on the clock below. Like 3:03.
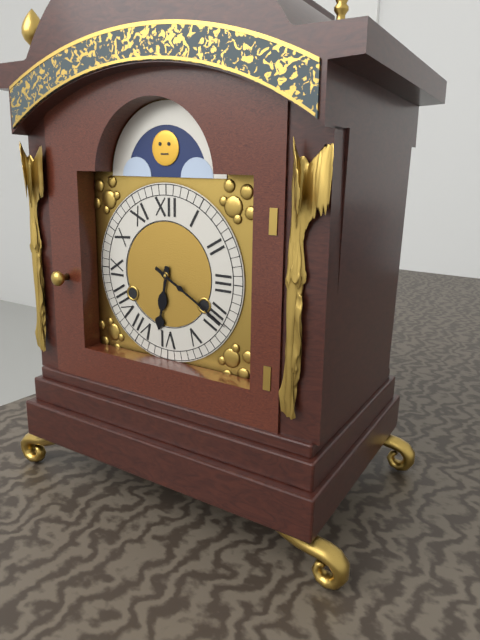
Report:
6:20
